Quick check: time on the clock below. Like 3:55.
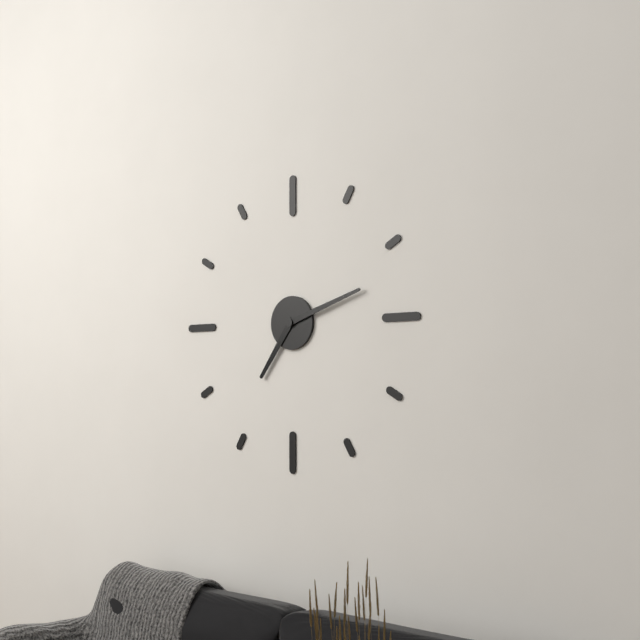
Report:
7:12
